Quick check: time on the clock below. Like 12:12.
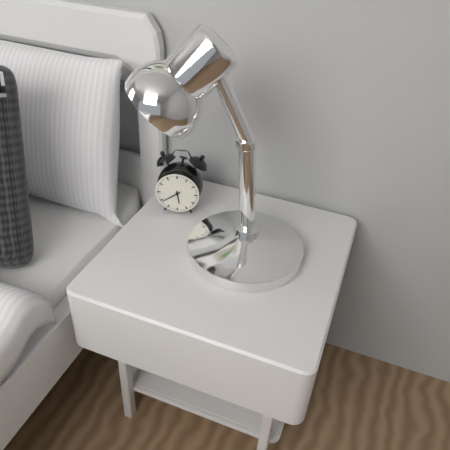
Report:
5:39
